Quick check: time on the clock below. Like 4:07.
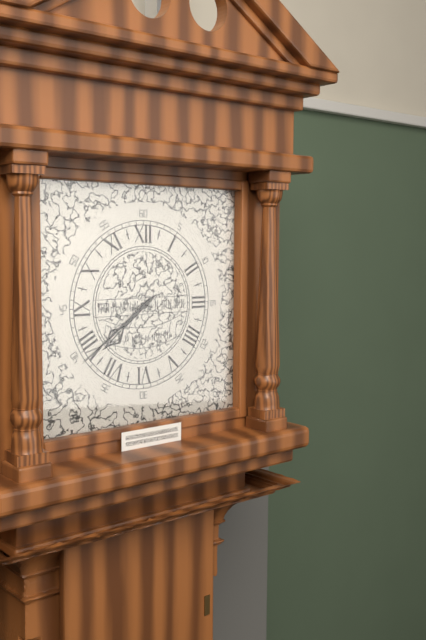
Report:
7:39
